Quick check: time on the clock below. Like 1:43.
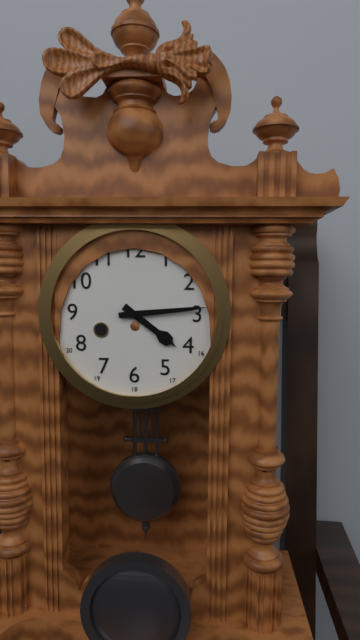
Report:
4:14
